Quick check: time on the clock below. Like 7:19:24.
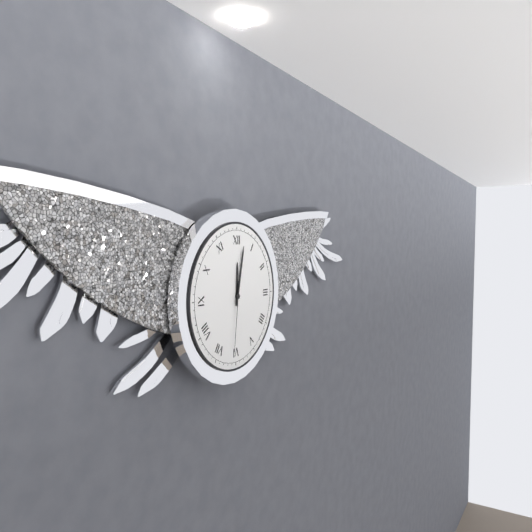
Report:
12:02:31
